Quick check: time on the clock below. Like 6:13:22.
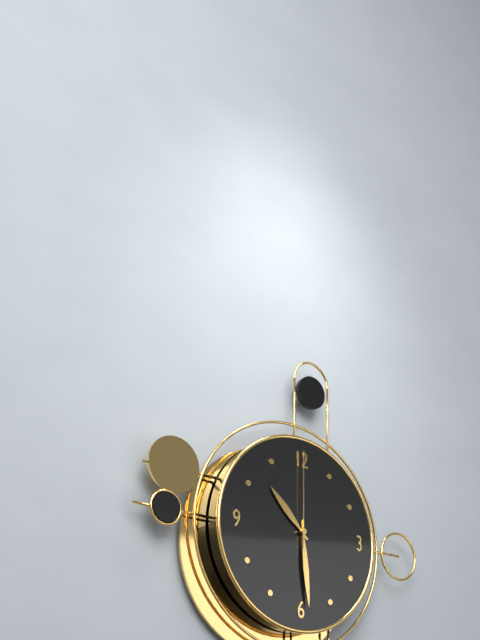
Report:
10:29:00
